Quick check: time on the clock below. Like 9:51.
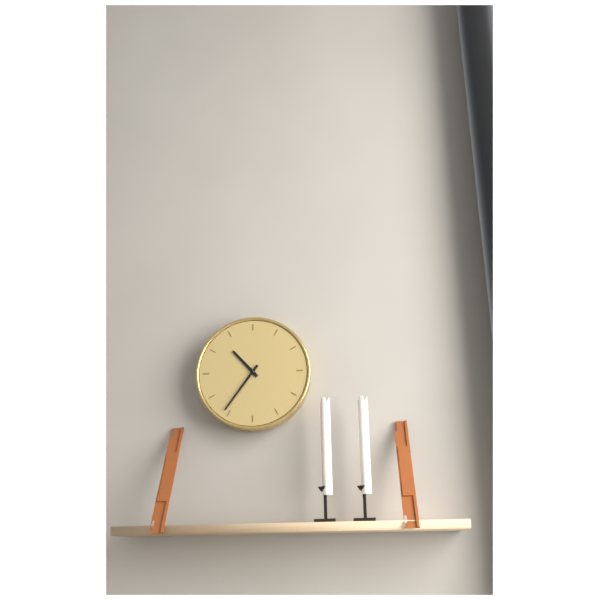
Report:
10:36
